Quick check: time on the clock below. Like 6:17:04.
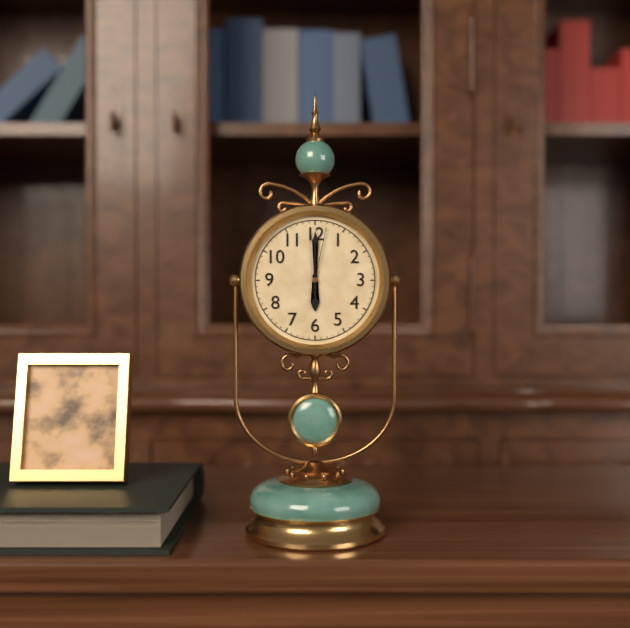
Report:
6:00:02
